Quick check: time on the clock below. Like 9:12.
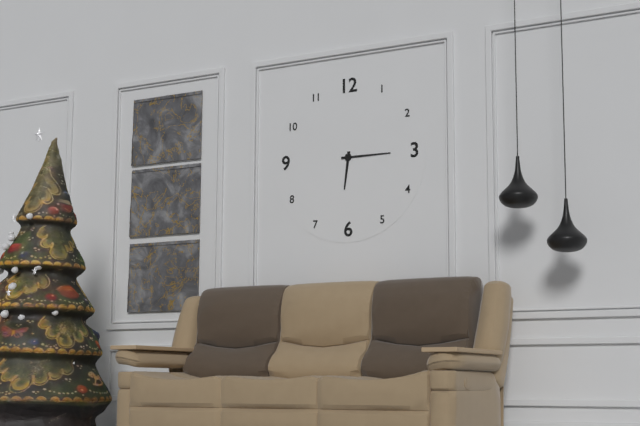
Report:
6:15
